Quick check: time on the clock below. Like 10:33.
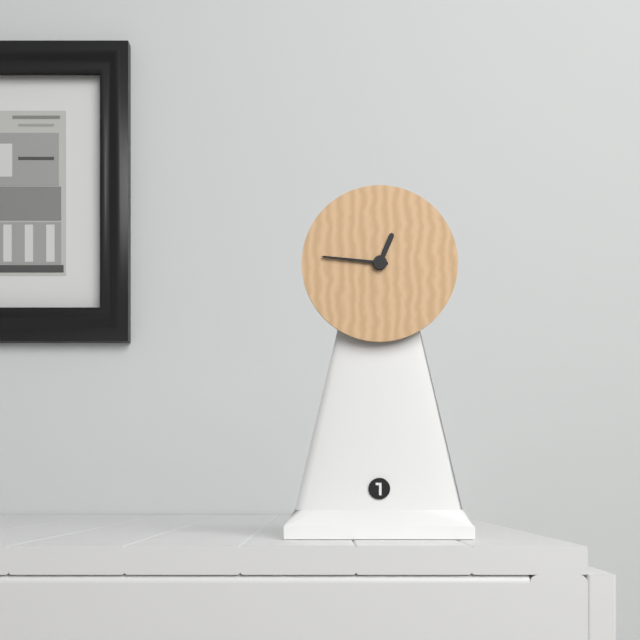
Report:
12:46
